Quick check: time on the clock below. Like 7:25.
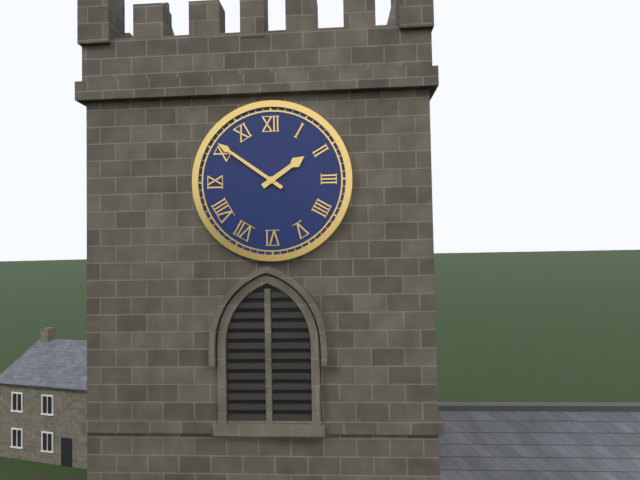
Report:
1:51
